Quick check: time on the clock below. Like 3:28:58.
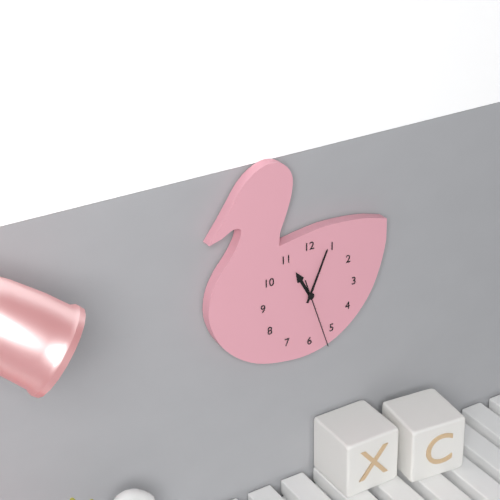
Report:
11:04:27
